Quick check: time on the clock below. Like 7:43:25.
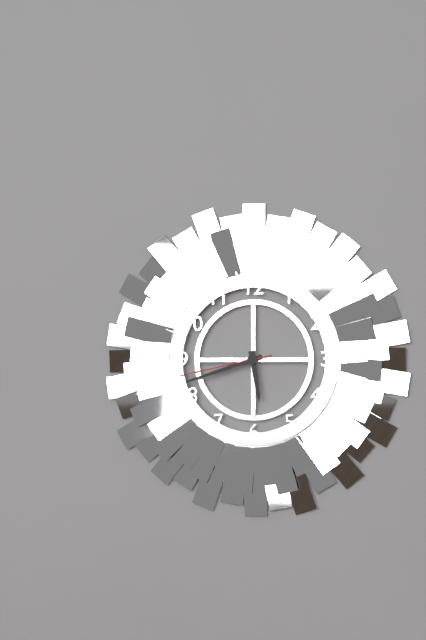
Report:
5:42:43
